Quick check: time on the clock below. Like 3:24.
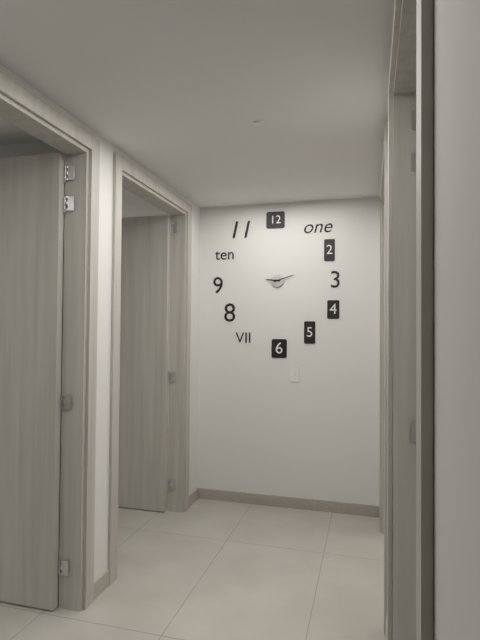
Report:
9:12
